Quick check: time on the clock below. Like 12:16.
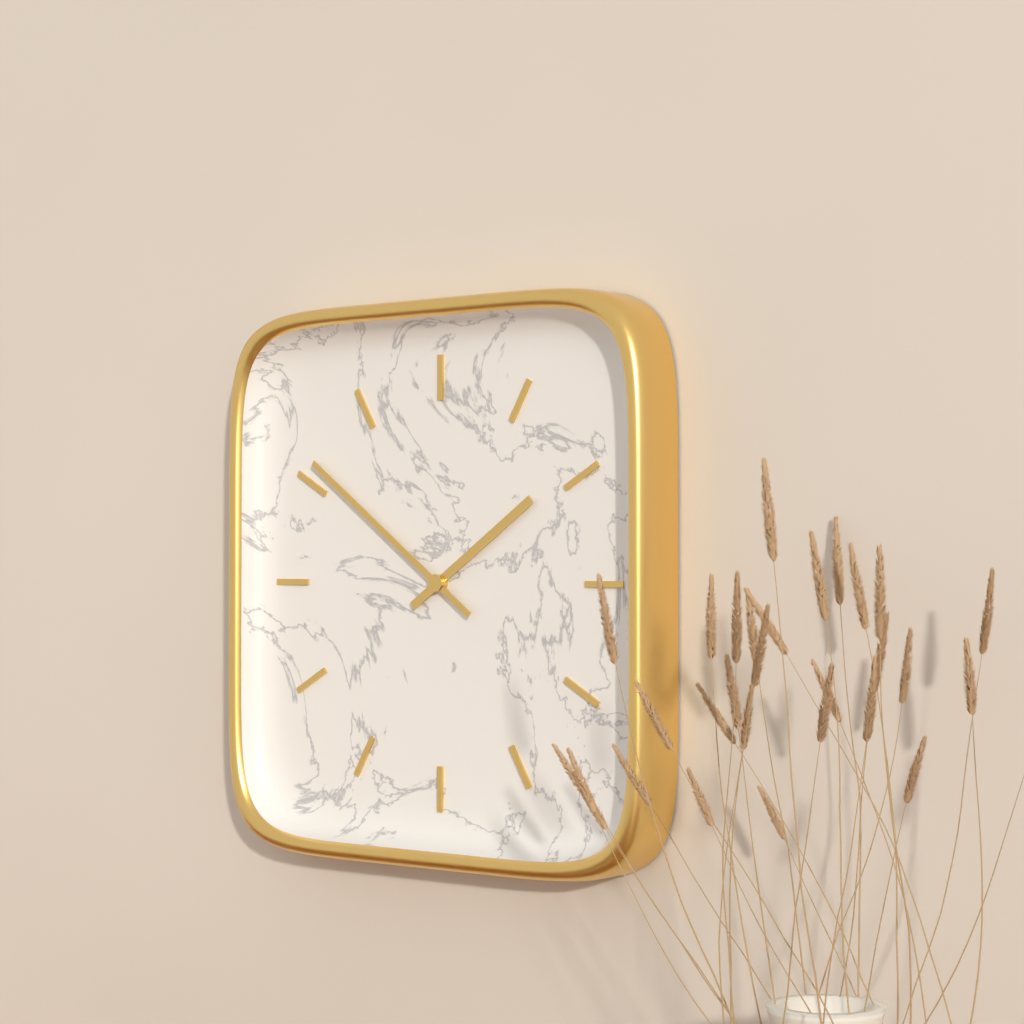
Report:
1:51
